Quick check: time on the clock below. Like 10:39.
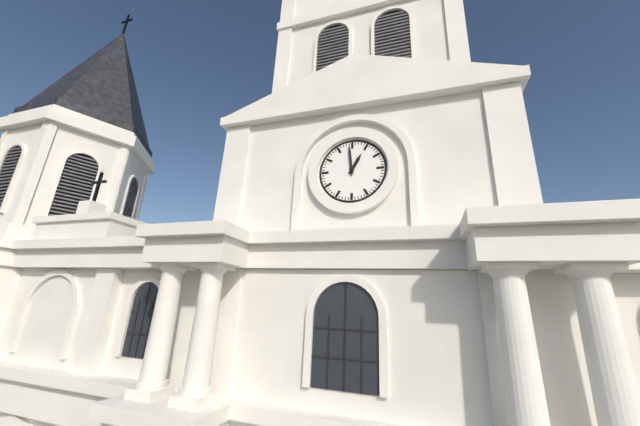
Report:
12:59
